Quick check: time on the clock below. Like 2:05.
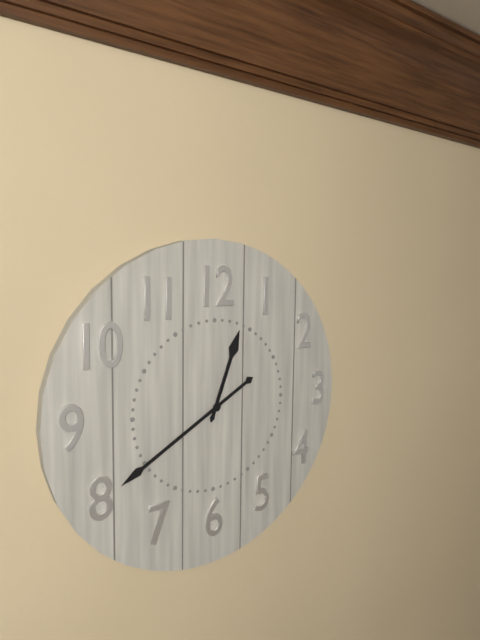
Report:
12:40
